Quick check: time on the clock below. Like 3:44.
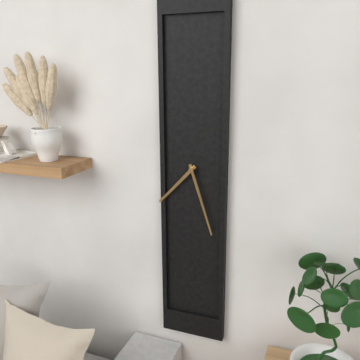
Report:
7:27
